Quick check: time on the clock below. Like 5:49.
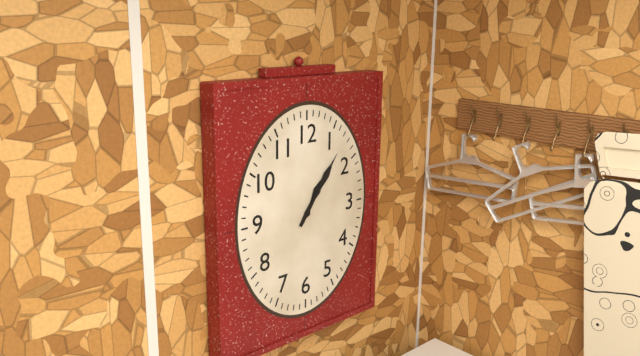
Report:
1:06
